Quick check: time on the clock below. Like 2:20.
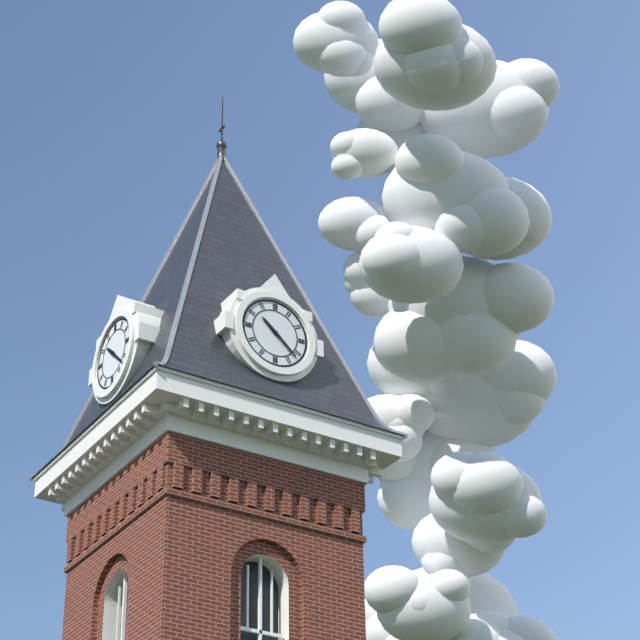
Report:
10:22
